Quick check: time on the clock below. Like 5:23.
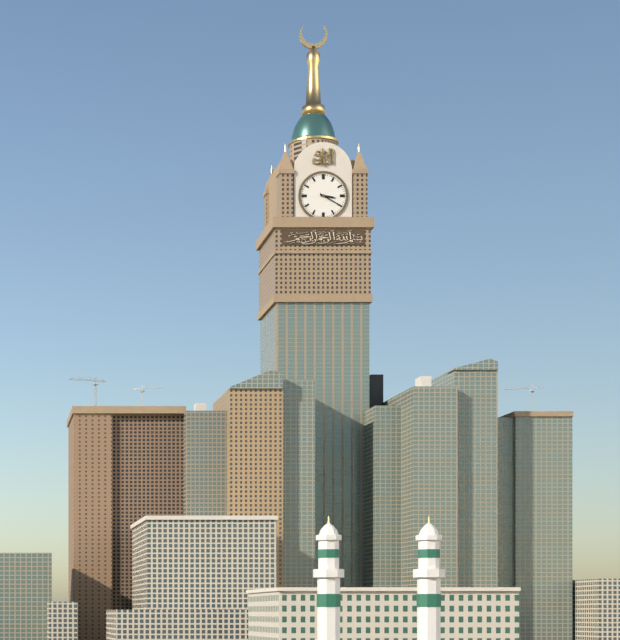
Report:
3:20
